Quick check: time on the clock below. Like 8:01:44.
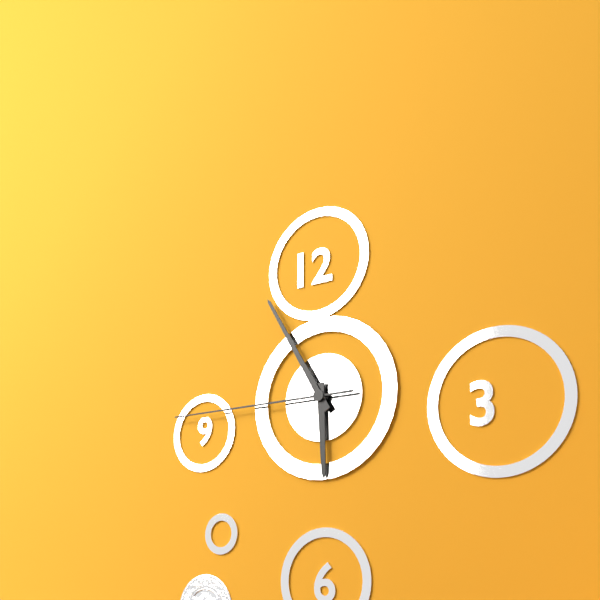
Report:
5:55:45
